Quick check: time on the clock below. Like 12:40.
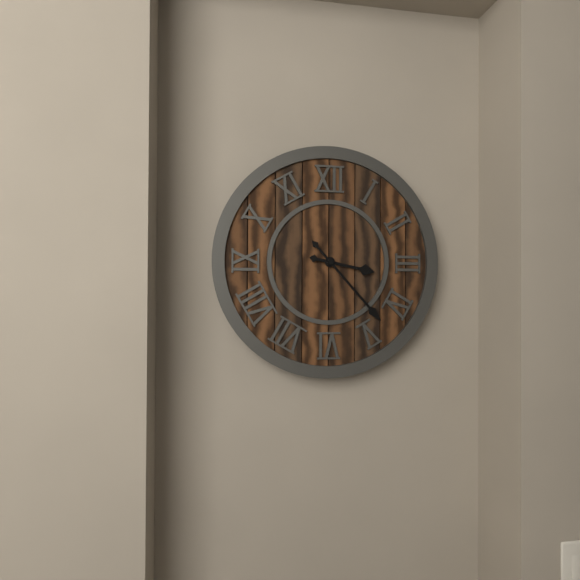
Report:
3:23
